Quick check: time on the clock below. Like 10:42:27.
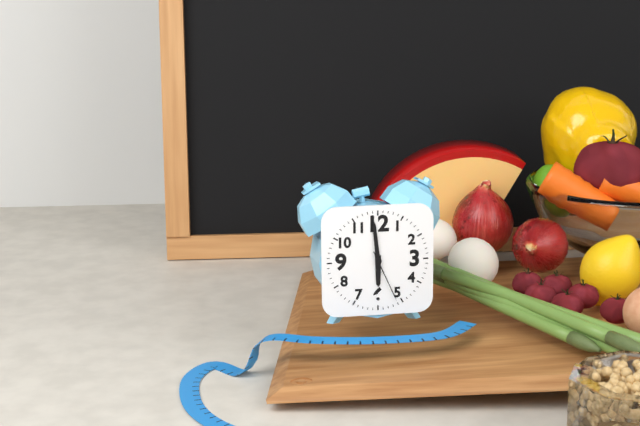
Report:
5:59:26
